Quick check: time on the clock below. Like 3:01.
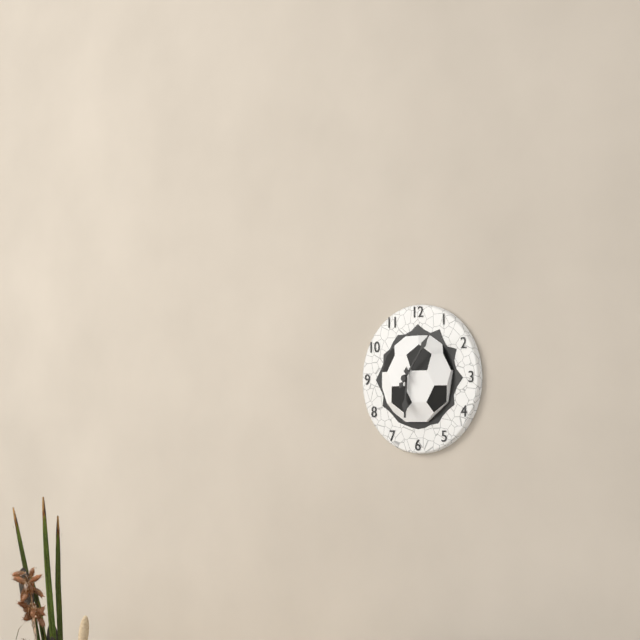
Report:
6:06
